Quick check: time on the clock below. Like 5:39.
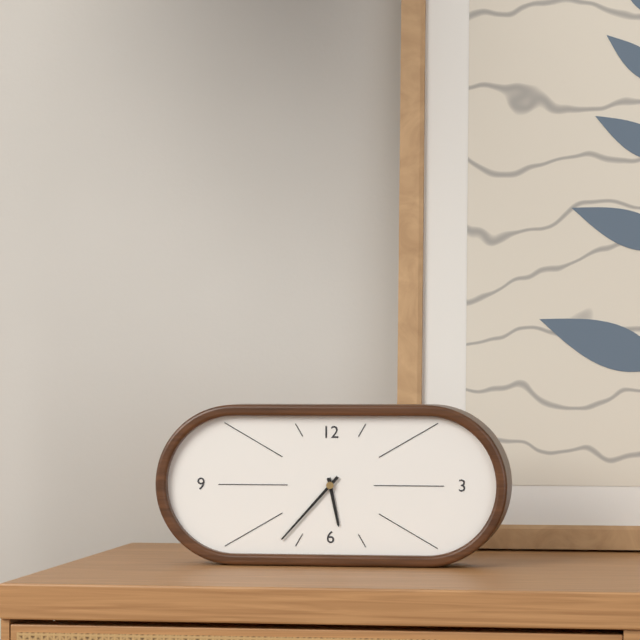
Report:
5:37
